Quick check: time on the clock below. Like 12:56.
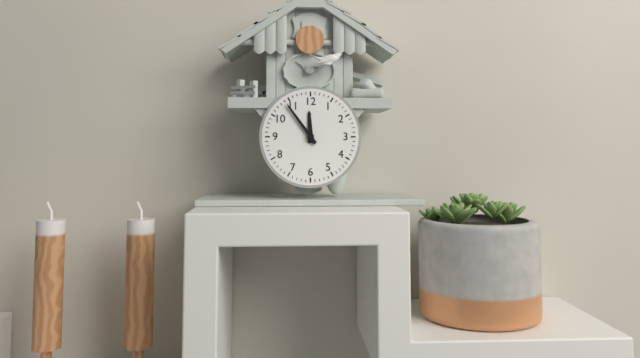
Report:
11:54
